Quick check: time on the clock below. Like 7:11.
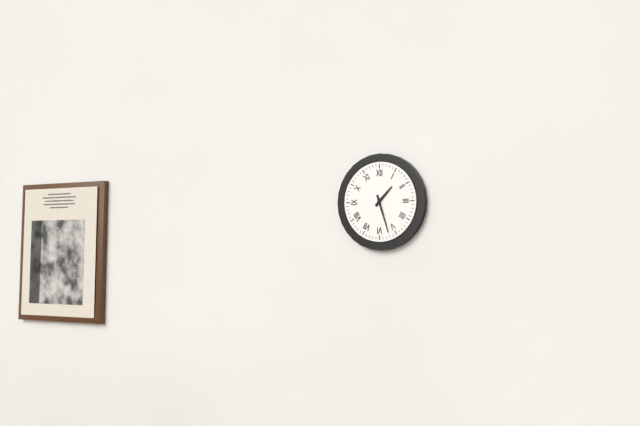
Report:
1:27
